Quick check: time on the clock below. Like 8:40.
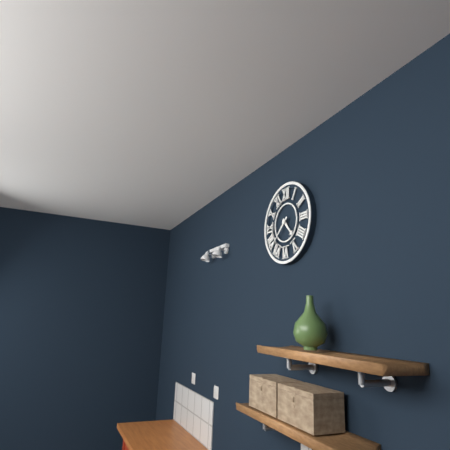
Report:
4:38
